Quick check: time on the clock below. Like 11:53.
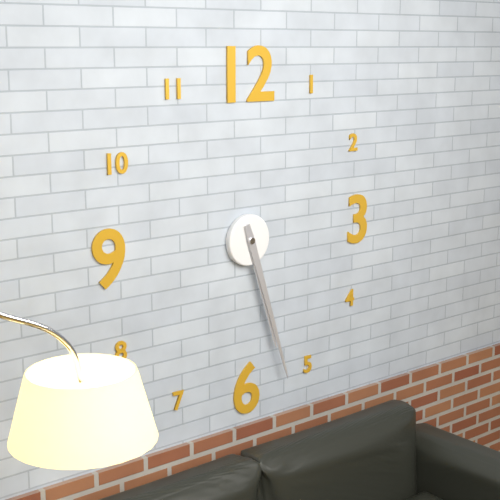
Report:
5:27
